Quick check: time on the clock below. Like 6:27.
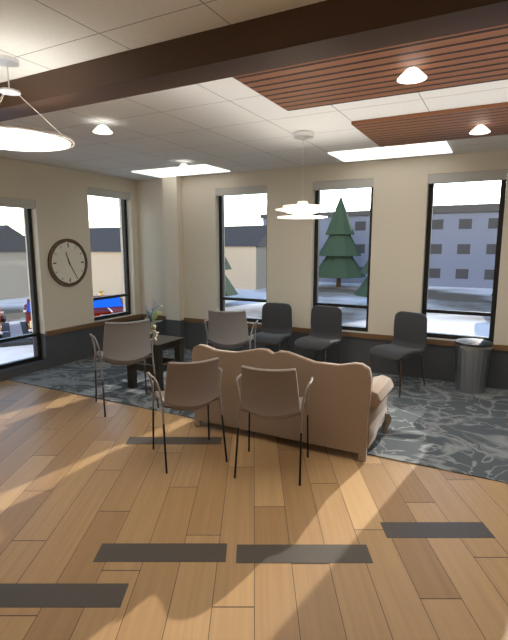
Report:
11:25
